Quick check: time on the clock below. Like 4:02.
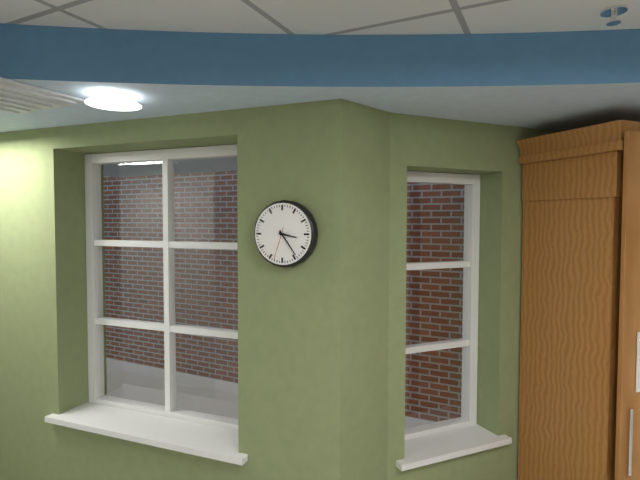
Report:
3:24
